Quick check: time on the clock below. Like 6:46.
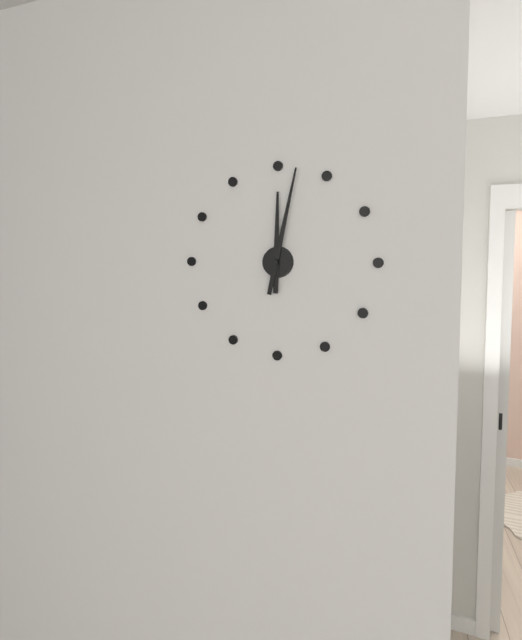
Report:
12:02
